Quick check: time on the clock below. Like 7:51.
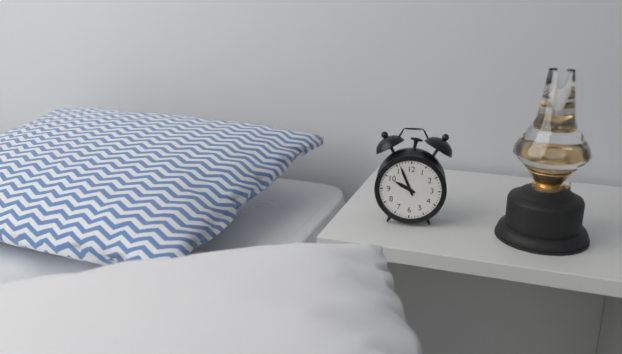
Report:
9:56
